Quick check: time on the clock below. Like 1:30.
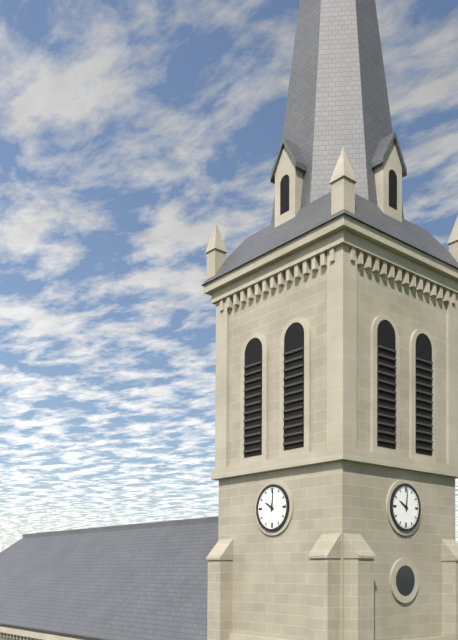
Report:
10:01
